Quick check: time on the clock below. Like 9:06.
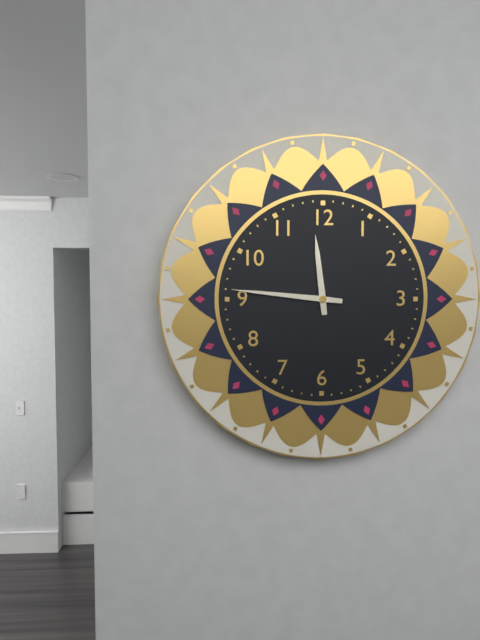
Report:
11:46
